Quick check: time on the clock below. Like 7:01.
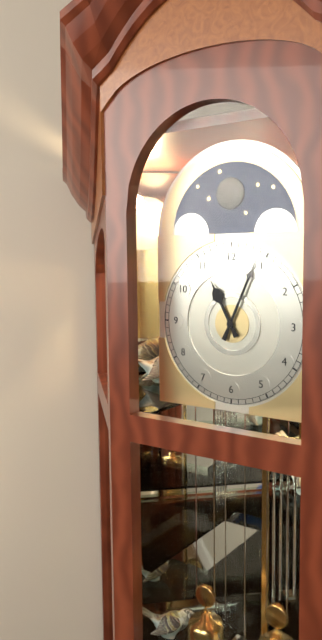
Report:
11:04
